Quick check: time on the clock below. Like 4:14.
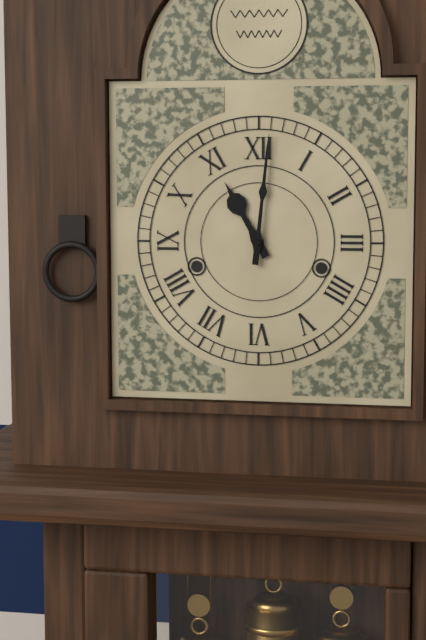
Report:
11:01
